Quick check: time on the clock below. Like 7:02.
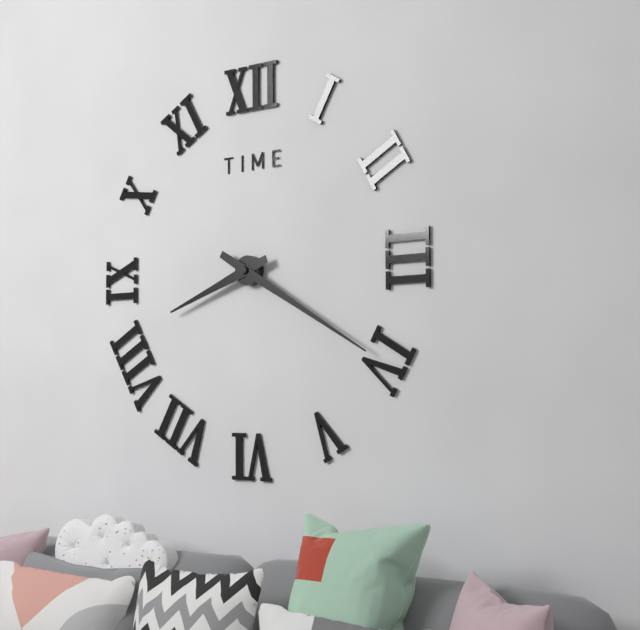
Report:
8:20
